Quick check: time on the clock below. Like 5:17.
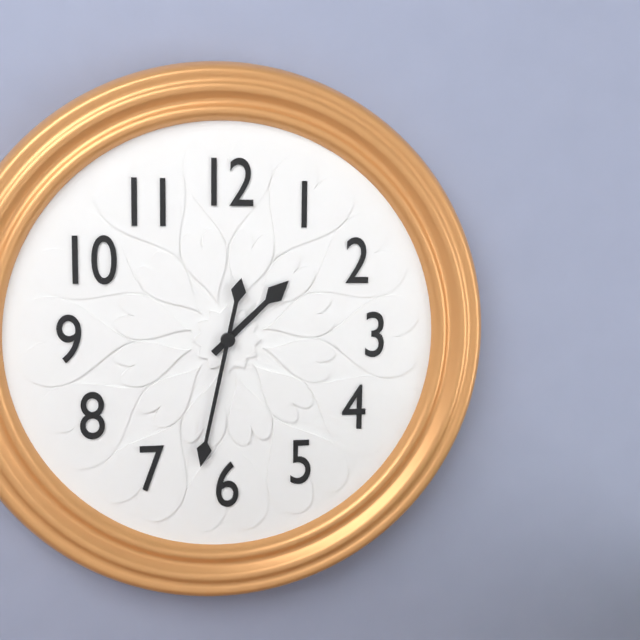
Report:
1:32
